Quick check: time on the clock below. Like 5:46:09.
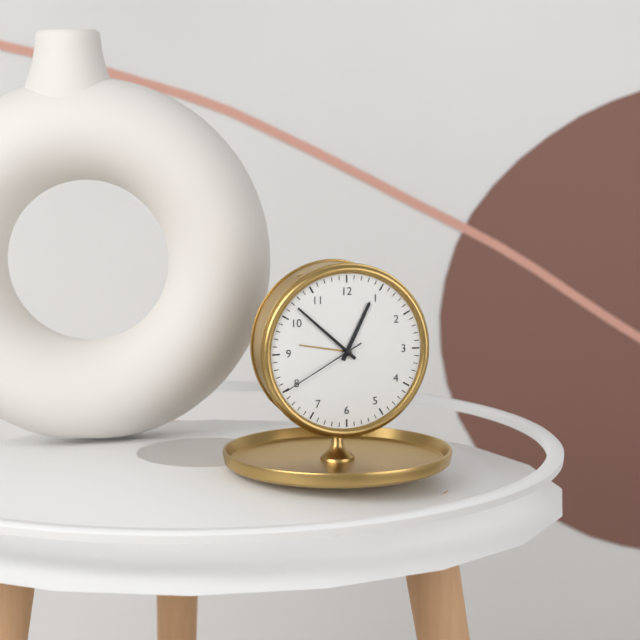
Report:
12:52:40
